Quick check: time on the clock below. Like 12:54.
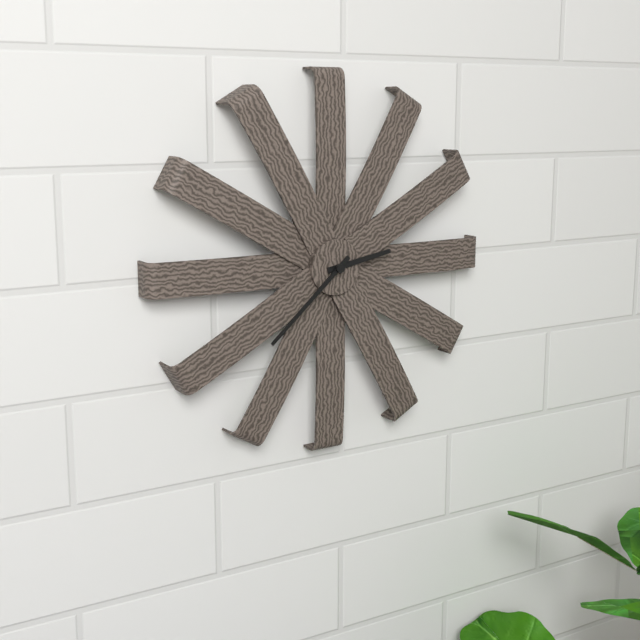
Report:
2:38
